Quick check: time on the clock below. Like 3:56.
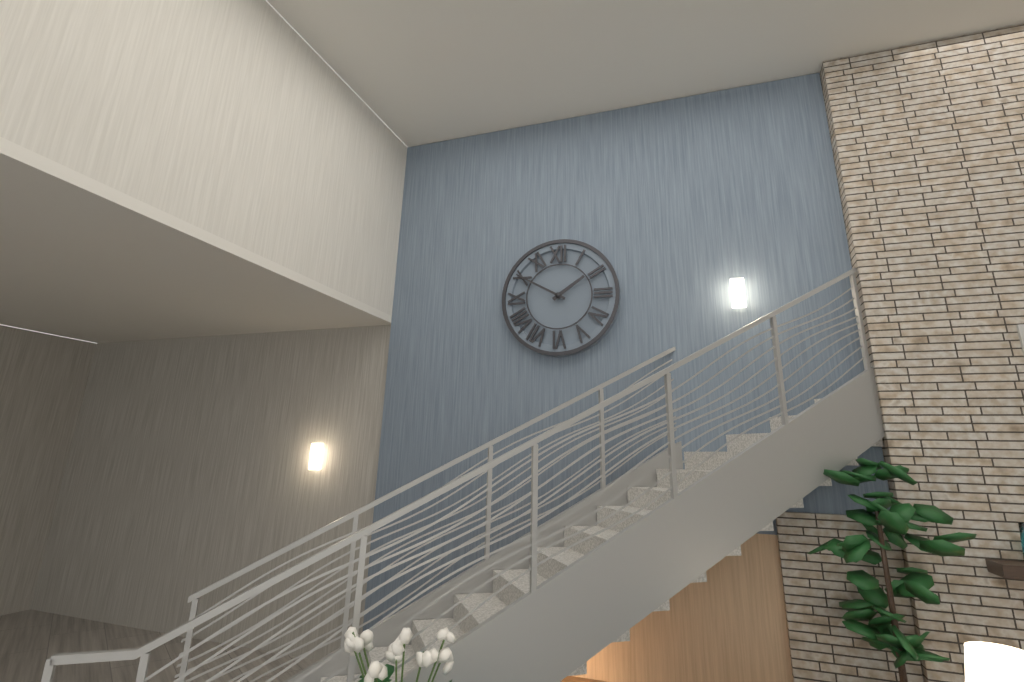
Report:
1:50
